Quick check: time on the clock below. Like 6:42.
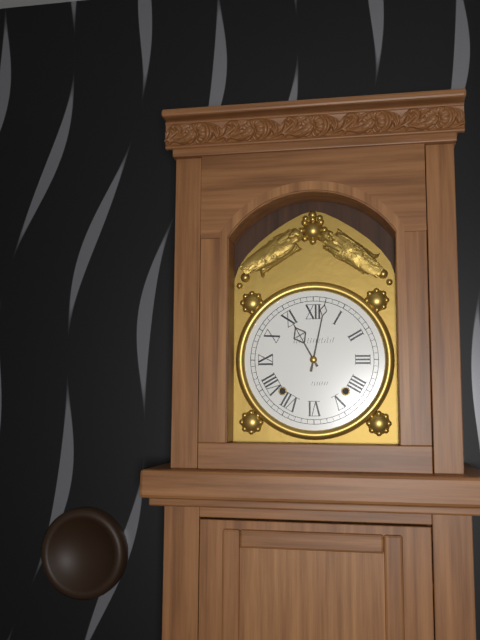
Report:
11:02
